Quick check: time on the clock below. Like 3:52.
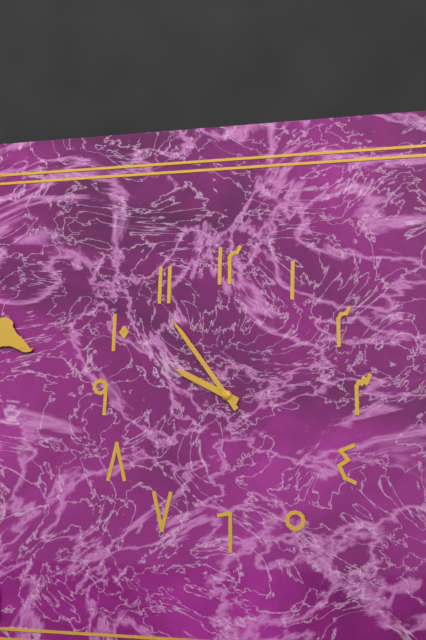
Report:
9:54
